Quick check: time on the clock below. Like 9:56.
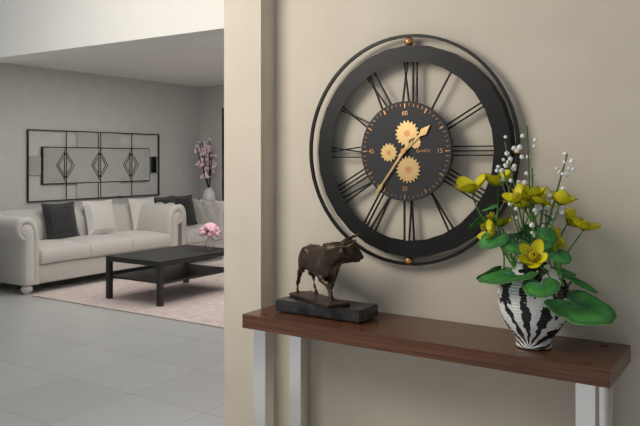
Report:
1:36
